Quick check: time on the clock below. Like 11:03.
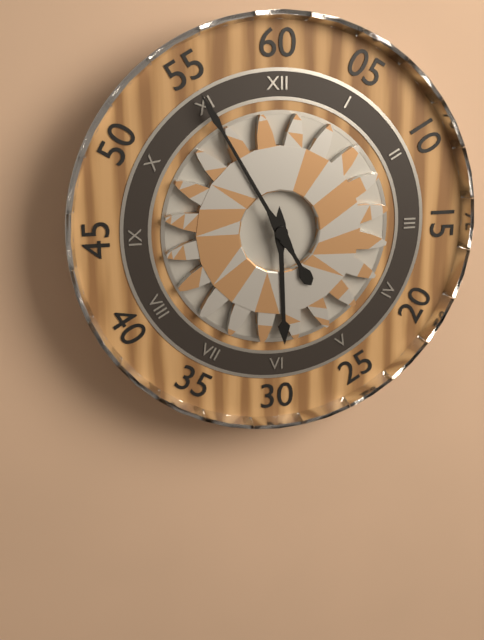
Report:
5:55
